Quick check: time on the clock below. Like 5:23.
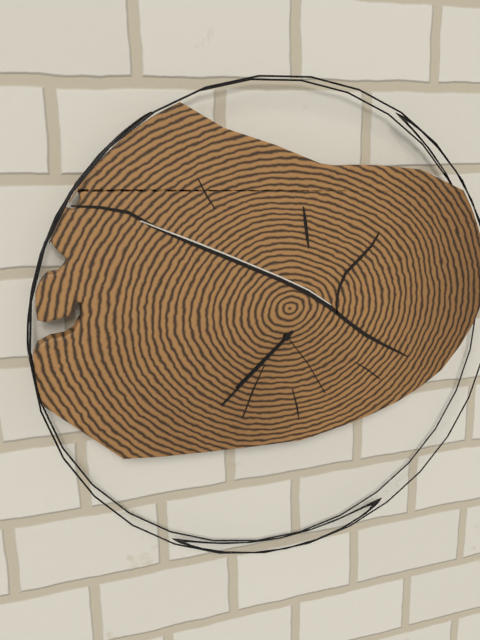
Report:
7:38
